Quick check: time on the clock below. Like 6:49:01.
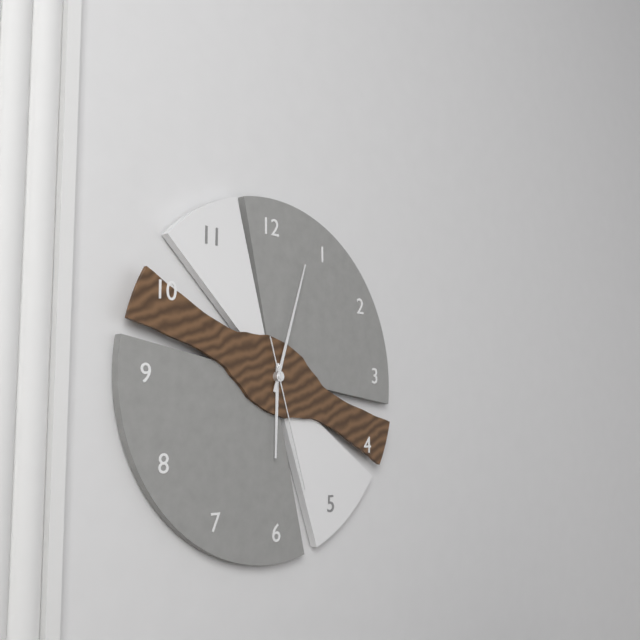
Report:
6:03:27
